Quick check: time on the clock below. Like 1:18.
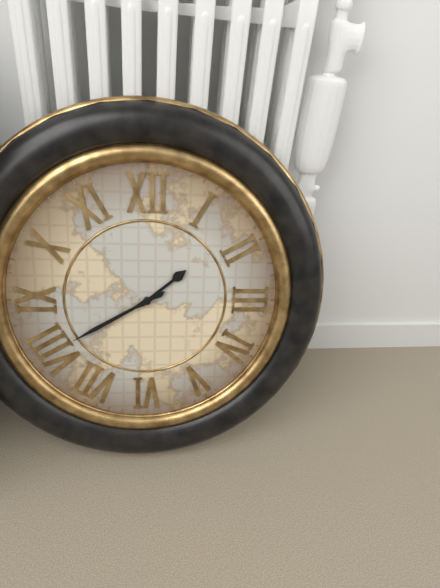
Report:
1:40
